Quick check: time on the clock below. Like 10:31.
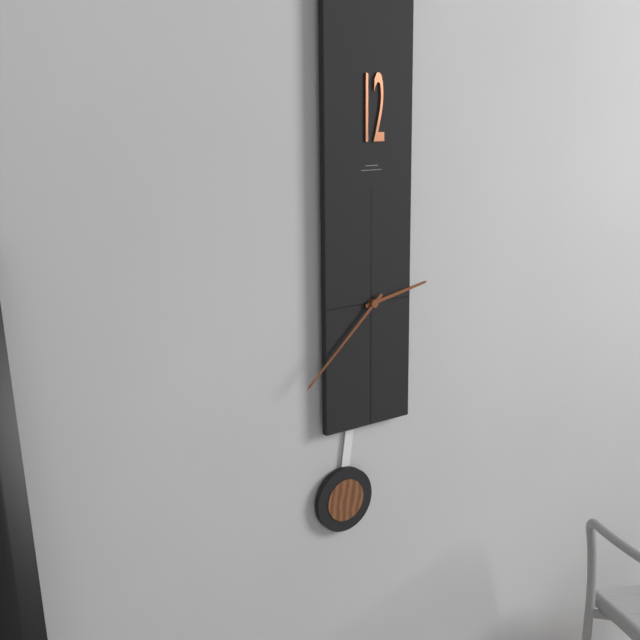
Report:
2:38
